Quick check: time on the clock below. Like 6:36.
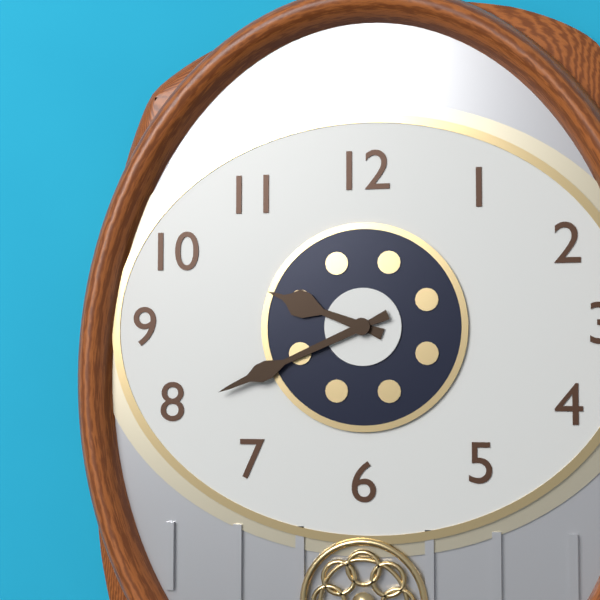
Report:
9:41
